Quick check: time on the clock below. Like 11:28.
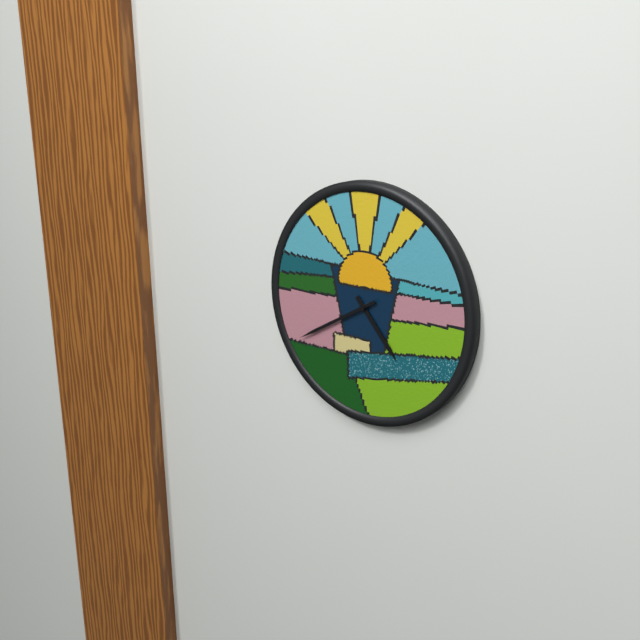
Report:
4:40
